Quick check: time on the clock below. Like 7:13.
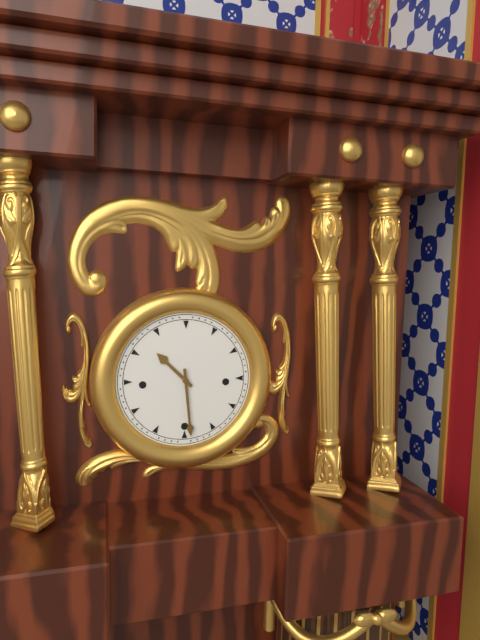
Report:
10:29
